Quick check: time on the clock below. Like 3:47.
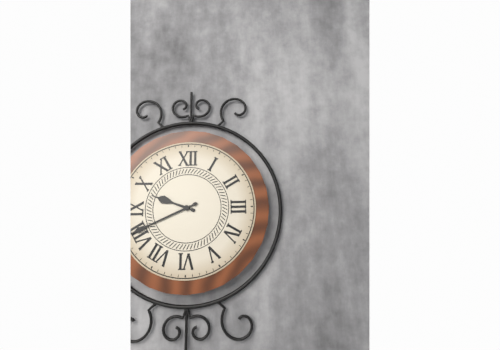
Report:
9:41
